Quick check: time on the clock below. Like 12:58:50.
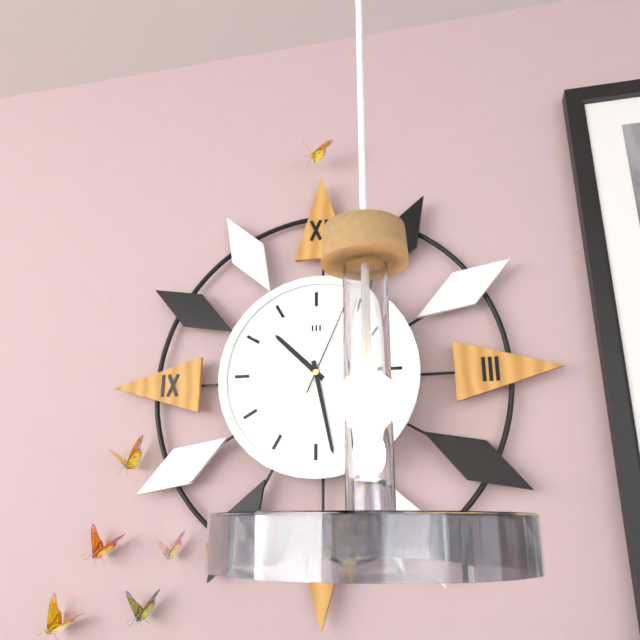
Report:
10:28:04
